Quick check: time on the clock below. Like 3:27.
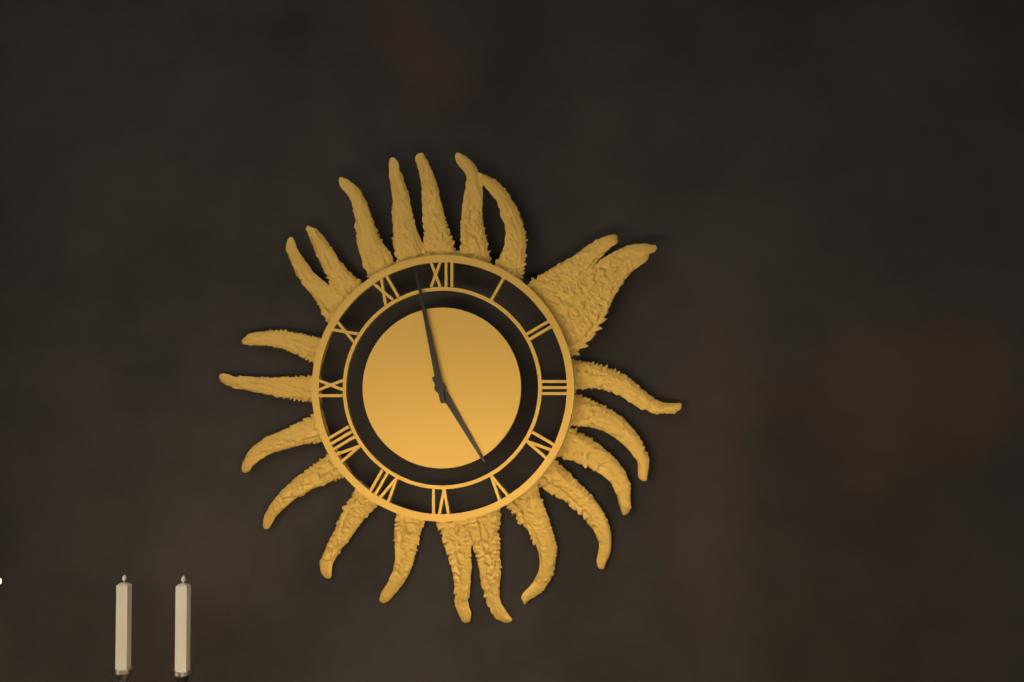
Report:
4:58
